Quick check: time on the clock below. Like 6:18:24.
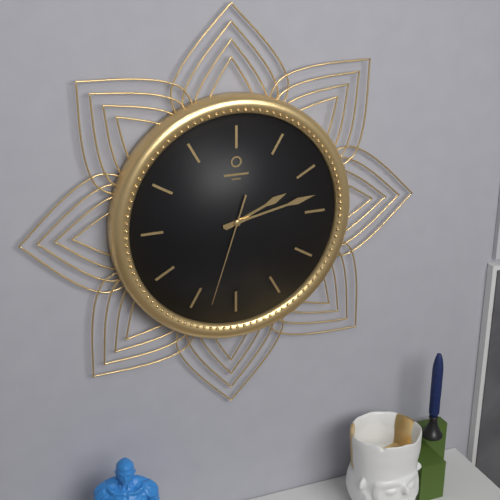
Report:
2:13:33
